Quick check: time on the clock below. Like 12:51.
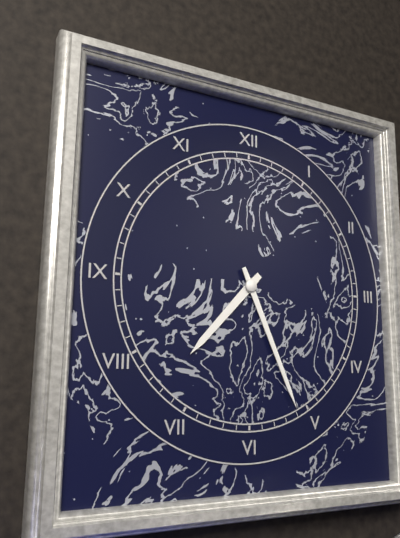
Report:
7:26
